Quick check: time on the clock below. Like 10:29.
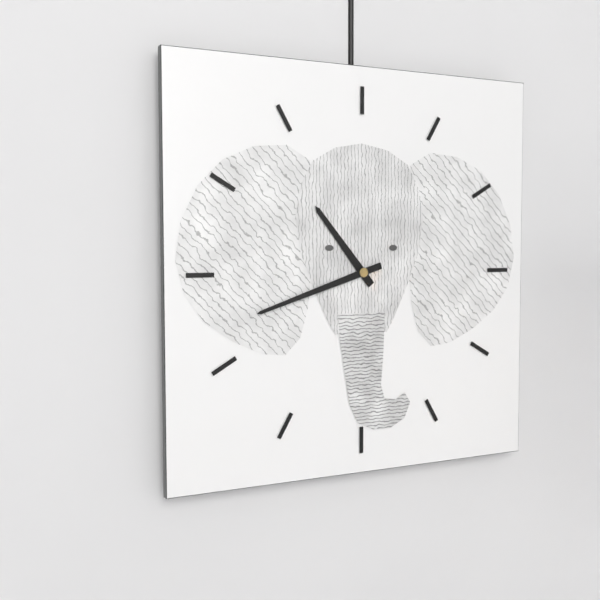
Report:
10:42
